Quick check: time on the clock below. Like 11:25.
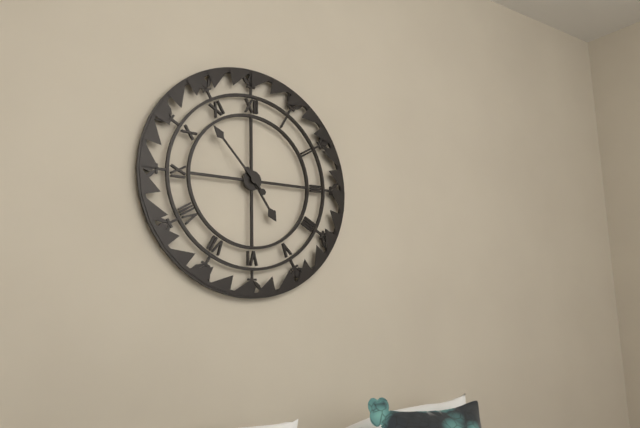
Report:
4:53
